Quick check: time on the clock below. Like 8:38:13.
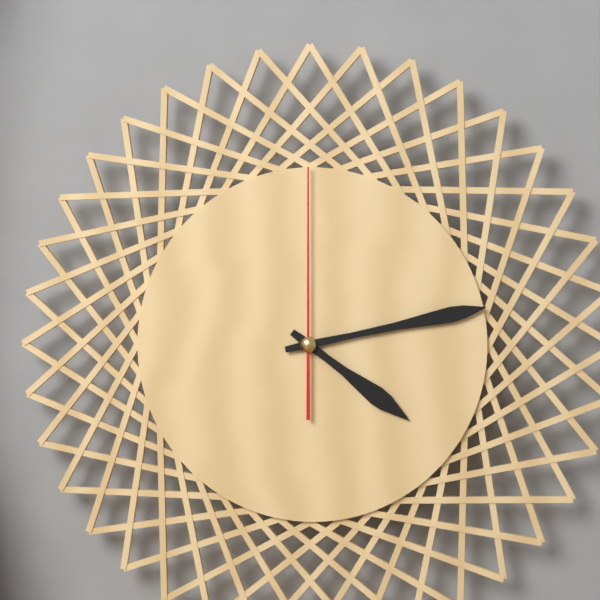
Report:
4:13:00
